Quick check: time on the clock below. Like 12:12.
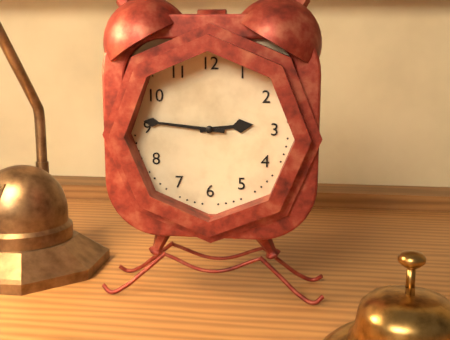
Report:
2:46
